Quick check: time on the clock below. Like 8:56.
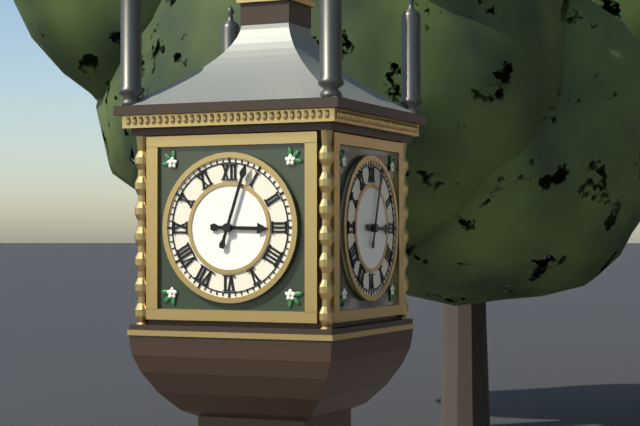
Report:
3:03
